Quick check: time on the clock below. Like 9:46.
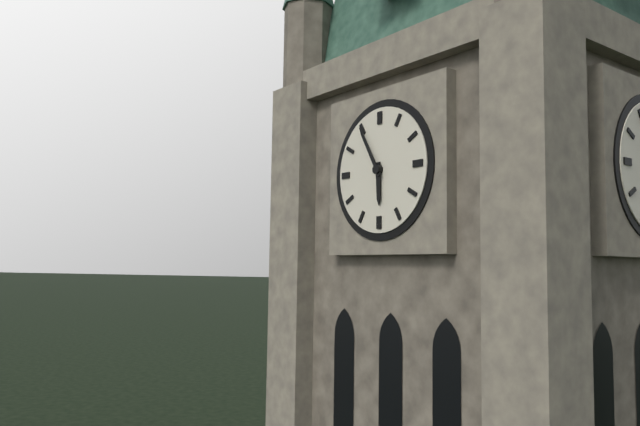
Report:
5:55
